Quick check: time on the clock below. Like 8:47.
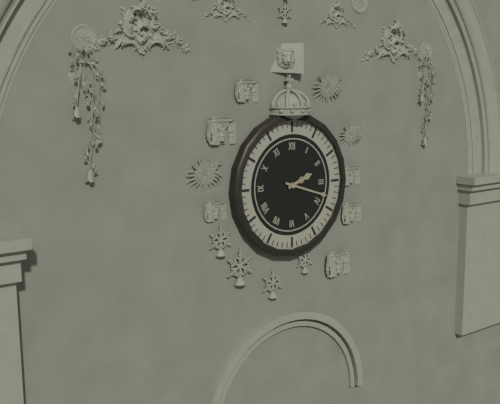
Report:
2:18
